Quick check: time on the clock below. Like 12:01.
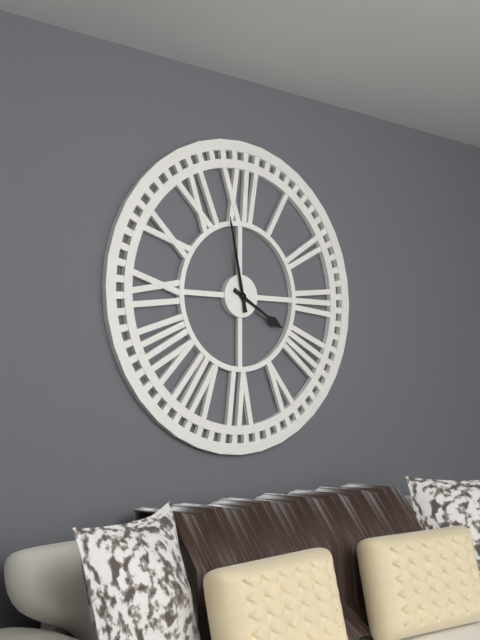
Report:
3:58
